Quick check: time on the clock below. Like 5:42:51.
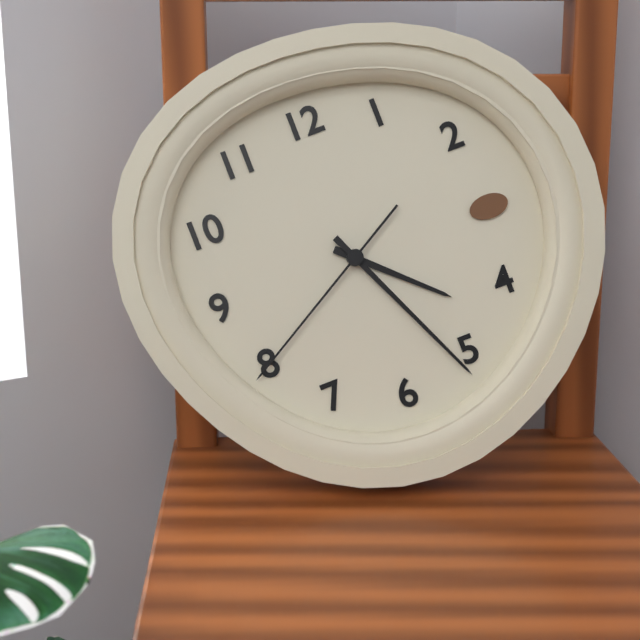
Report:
4:26:40
